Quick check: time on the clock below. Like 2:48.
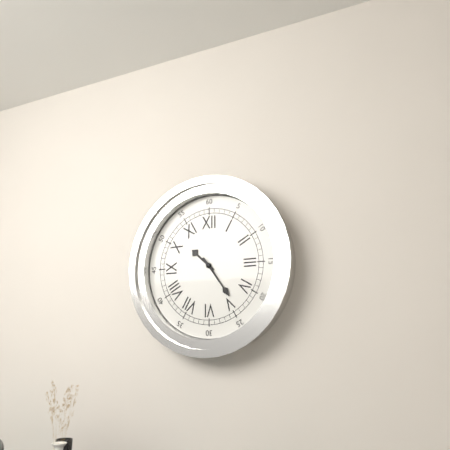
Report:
10:24
